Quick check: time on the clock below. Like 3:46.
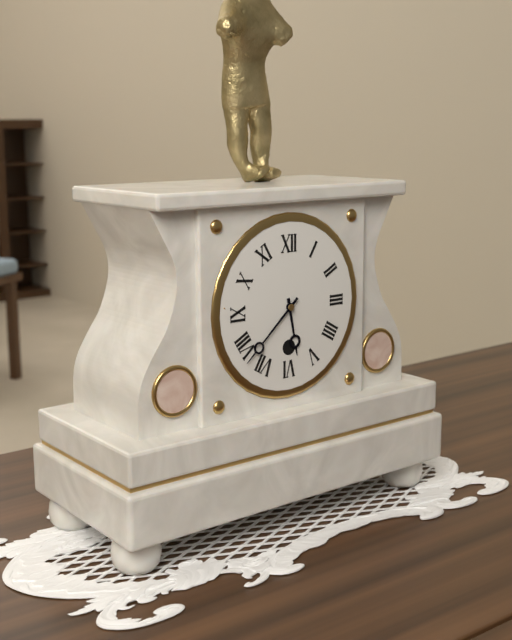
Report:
5:38
